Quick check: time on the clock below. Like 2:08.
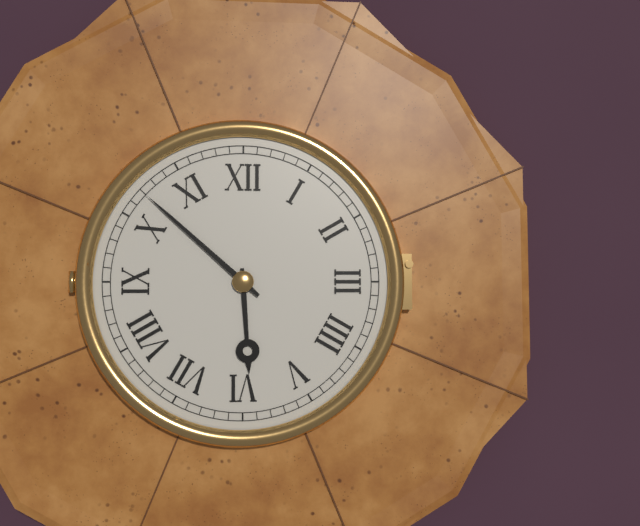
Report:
5:52
